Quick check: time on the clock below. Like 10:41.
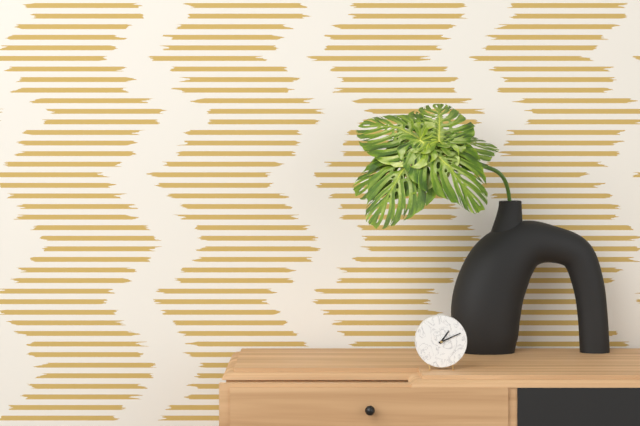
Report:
1:11
